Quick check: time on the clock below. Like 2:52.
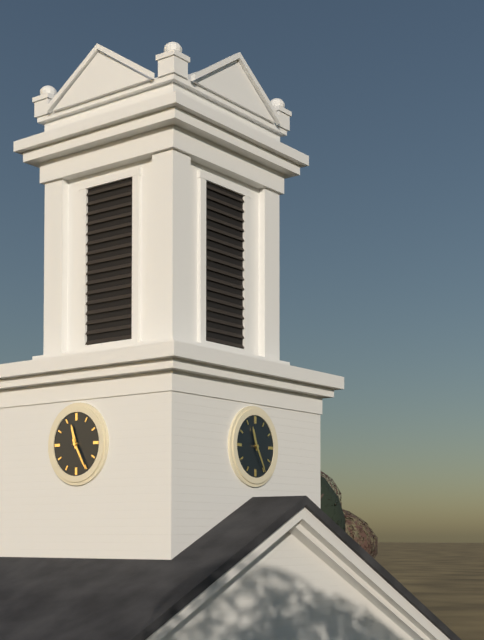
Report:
11:25
